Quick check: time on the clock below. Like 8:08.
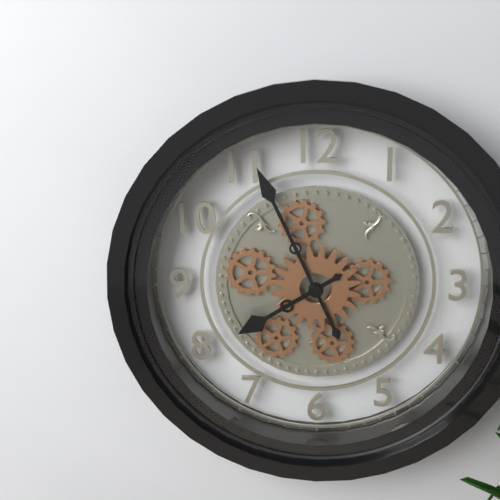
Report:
7:56
